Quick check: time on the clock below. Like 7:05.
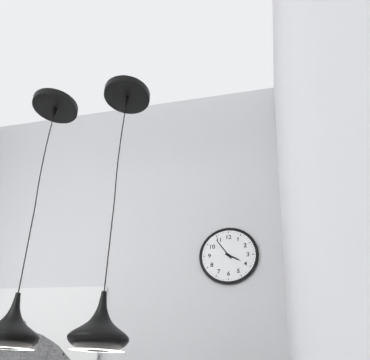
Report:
3:54
